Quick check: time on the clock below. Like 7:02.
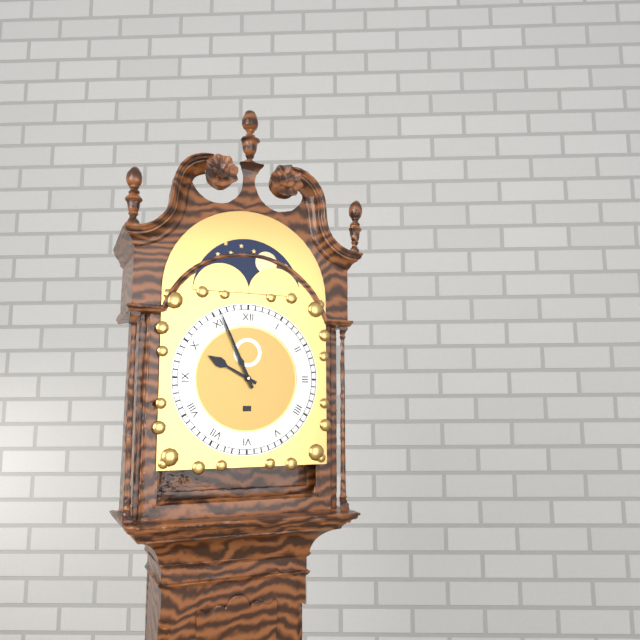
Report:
9:56
